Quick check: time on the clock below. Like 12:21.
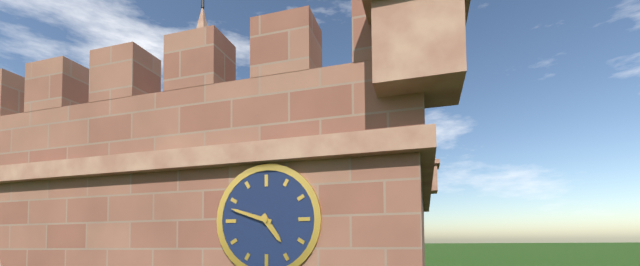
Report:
4:48
